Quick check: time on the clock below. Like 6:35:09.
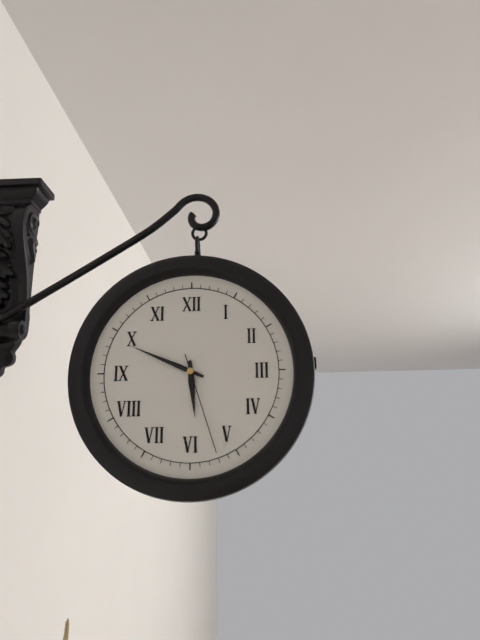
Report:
5:49:27
